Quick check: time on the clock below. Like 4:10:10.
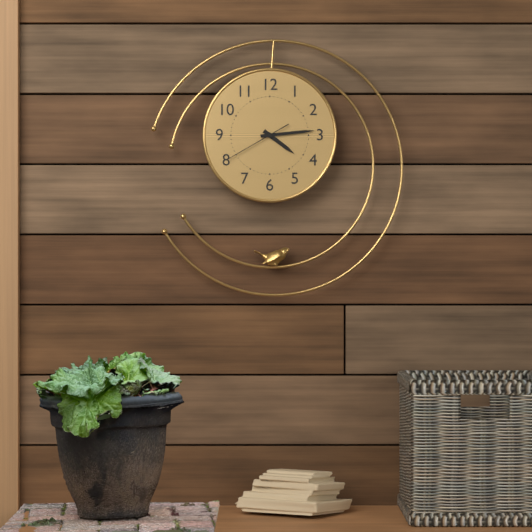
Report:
4:14:40
